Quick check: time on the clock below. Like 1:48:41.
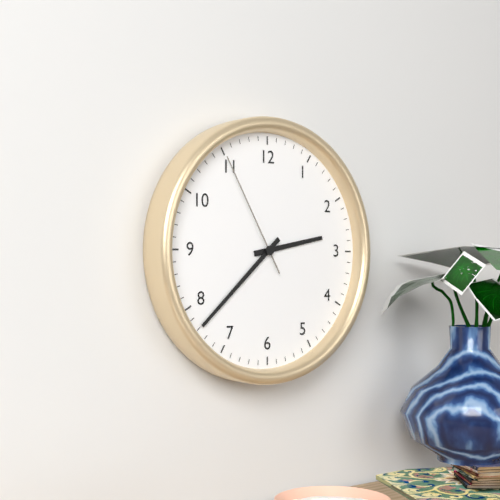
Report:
2:38:55
